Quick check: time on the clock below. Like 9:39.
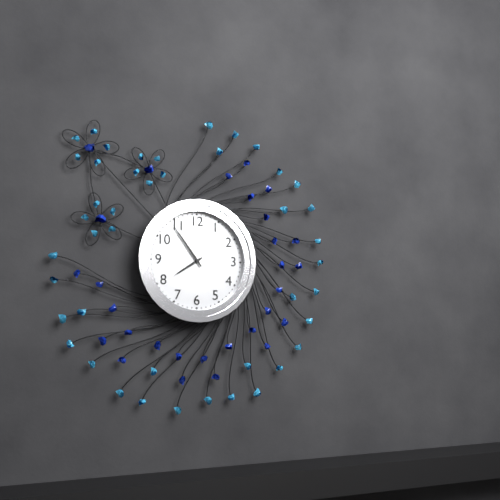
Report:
7:54
